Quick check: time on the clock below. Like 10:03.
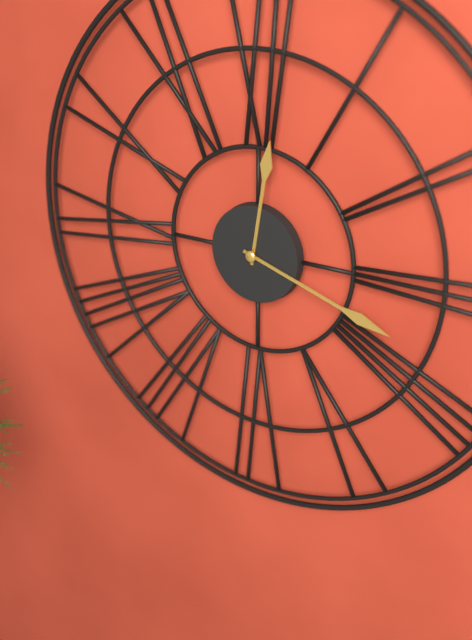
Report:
12:18
